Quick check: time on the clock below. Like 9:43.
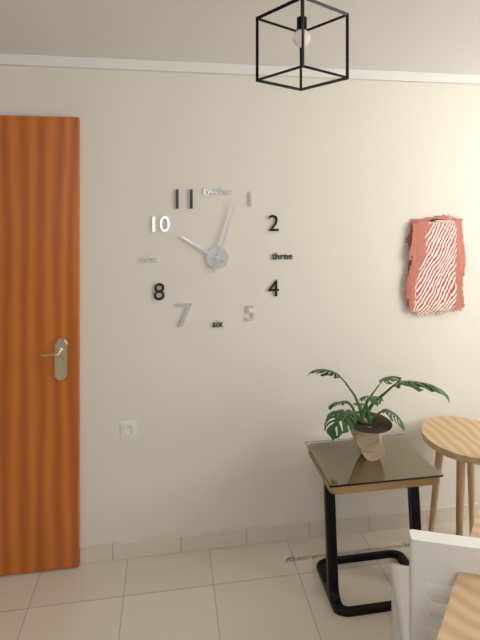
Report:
10:03
